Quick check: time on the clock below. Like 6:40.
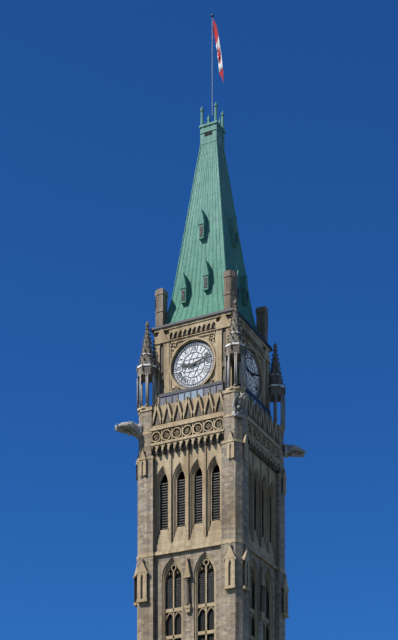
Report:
9:12
